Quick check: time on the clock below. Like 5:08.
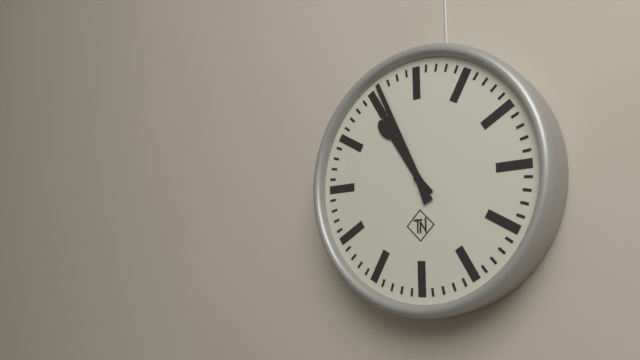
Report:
10:56
